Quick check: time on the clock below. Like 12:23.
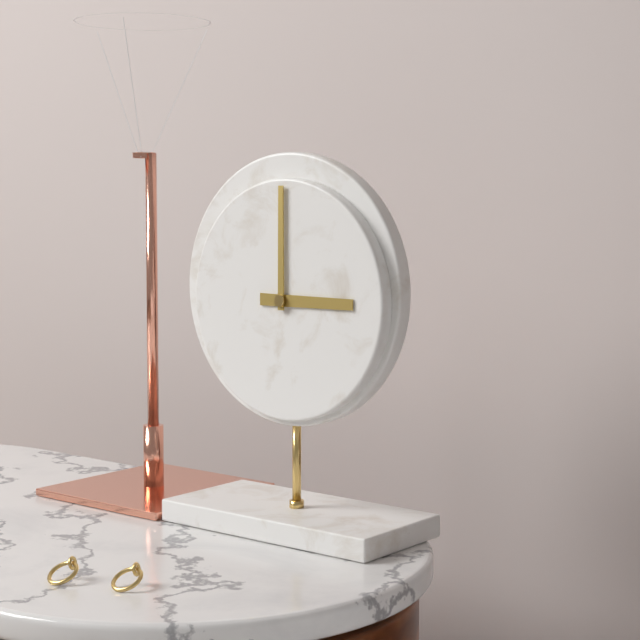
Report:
3:00
